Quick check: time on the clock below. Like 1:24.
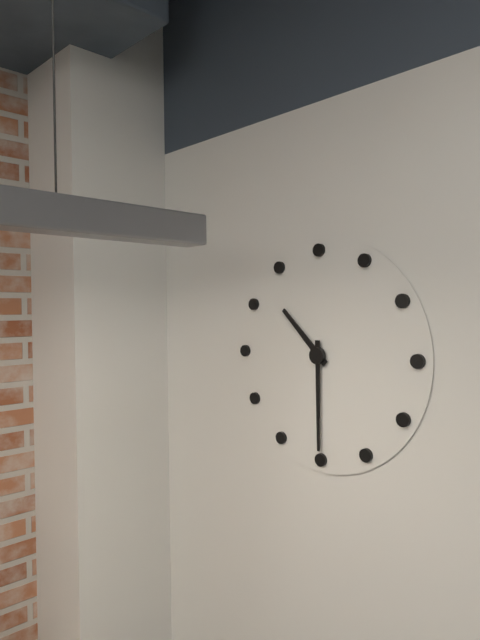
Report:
10:30
